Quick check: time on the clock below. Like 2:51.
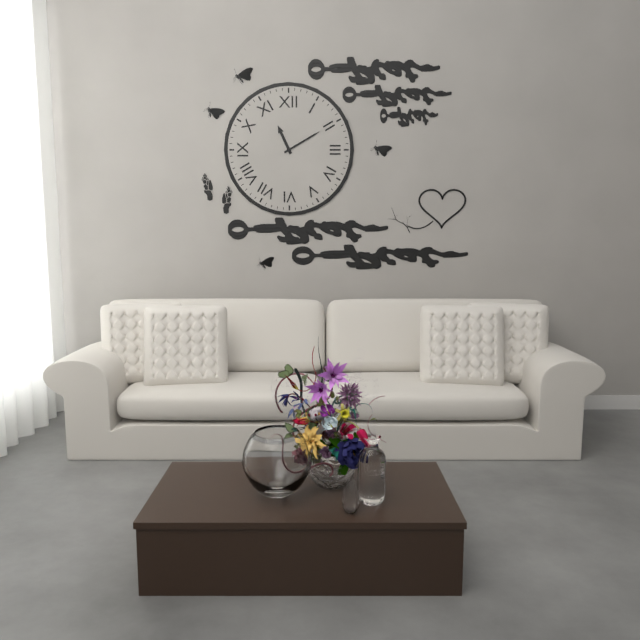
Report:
11:10
